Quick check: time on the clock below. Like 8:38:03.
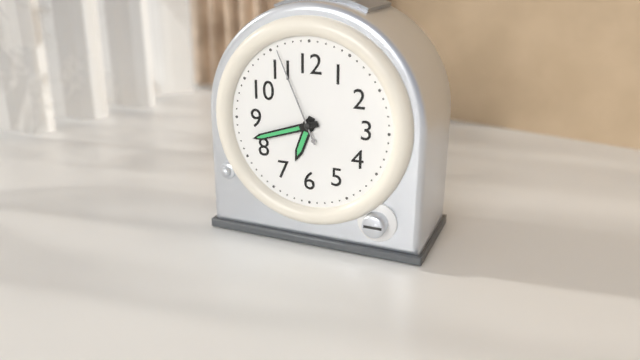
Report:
6:42:56
